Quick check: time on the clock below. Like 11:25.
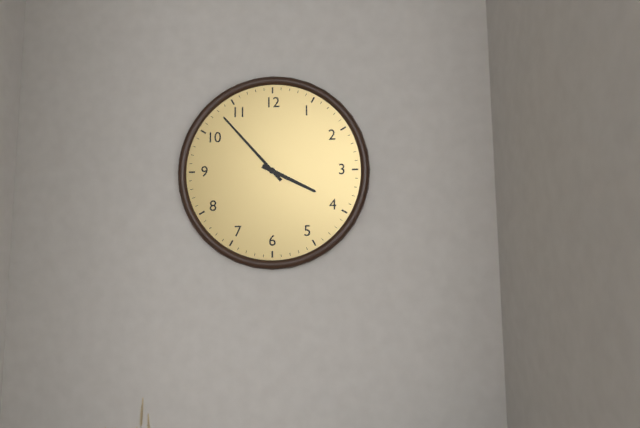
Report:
3:53
